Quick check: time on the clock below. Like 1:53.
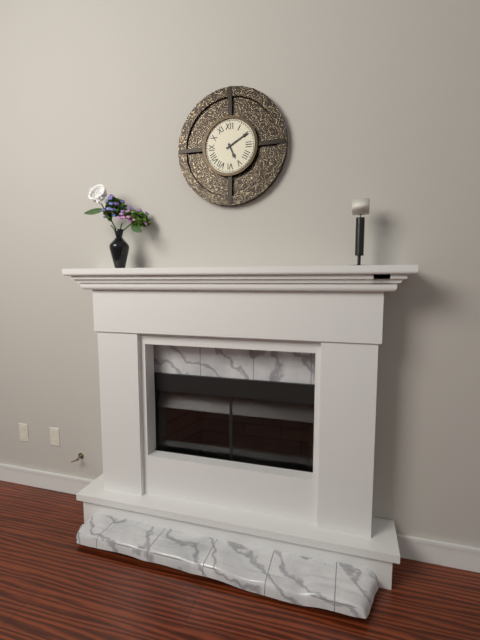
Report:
5:10
